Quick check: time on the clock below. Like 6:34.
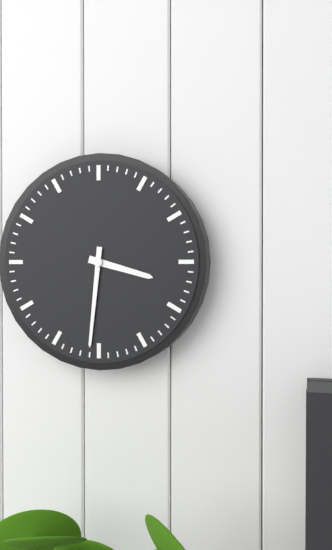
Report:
3:31
